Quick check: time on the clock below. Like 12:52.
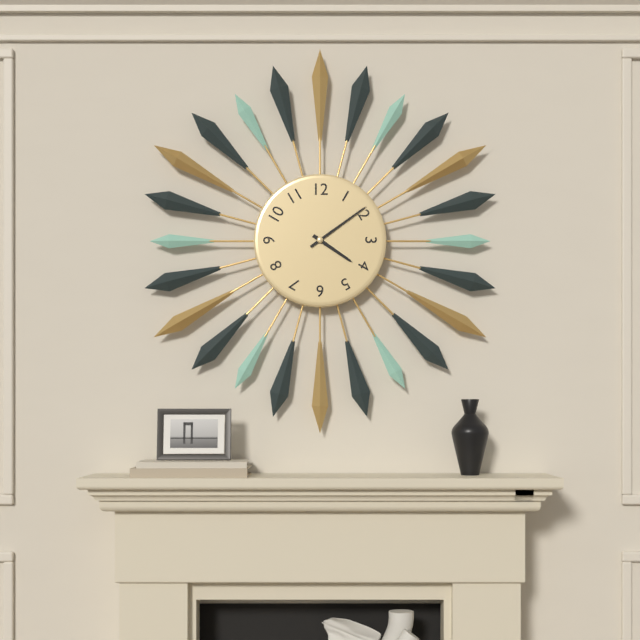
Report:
4:09
